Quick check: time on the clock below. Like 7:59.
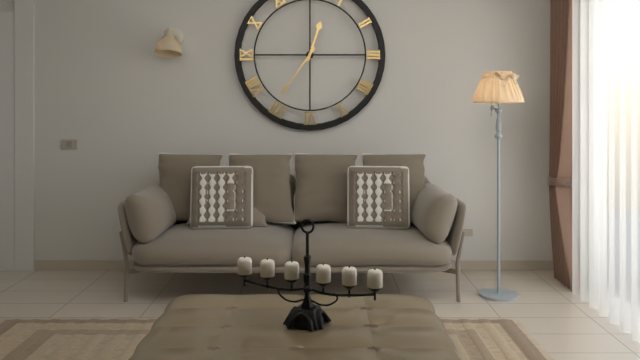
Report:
12:36
